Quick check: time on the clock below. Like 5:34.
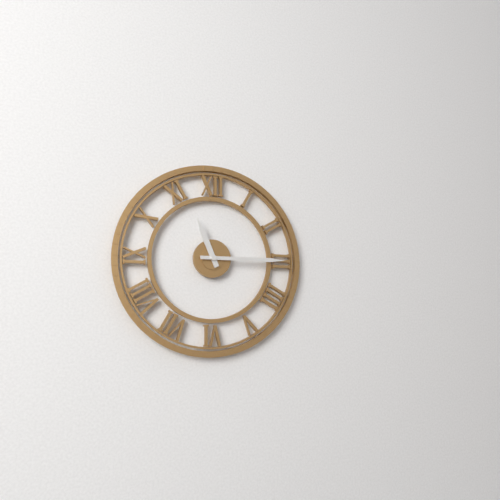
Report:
11:15
